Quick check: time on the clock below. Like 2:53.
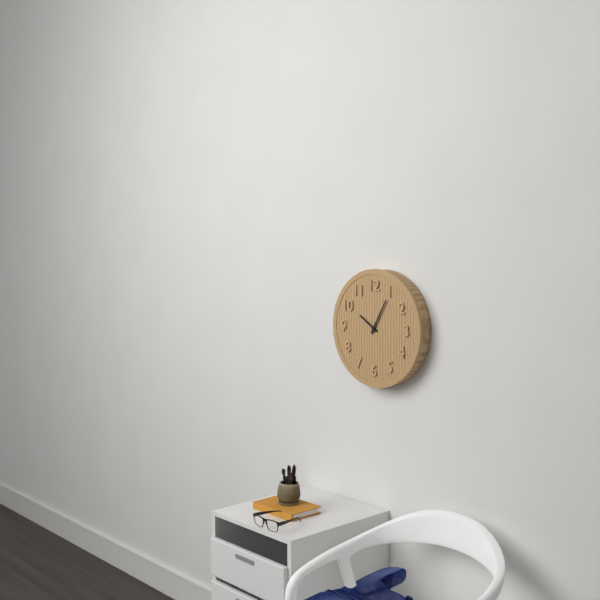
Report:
10:05
